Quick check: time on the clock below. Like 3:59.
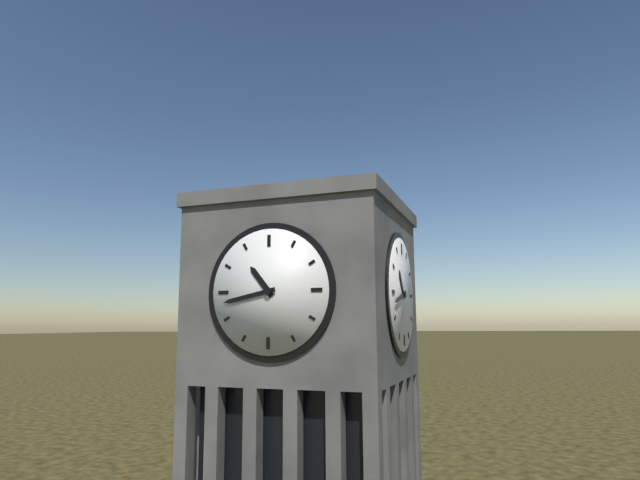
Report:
10:43
